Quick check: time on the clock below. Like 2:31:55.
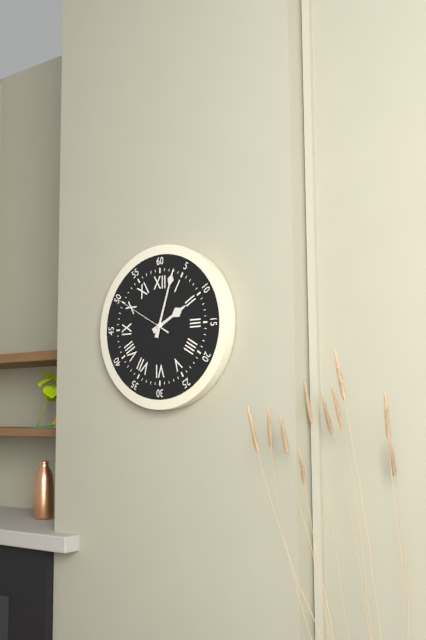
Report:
2:03:50
